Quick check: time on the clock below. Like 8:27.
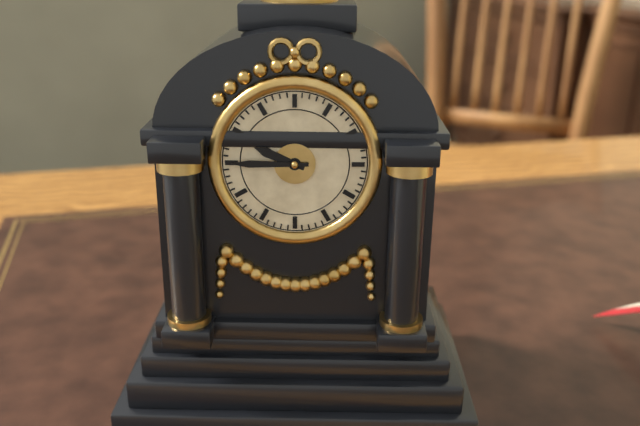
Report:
9:45
